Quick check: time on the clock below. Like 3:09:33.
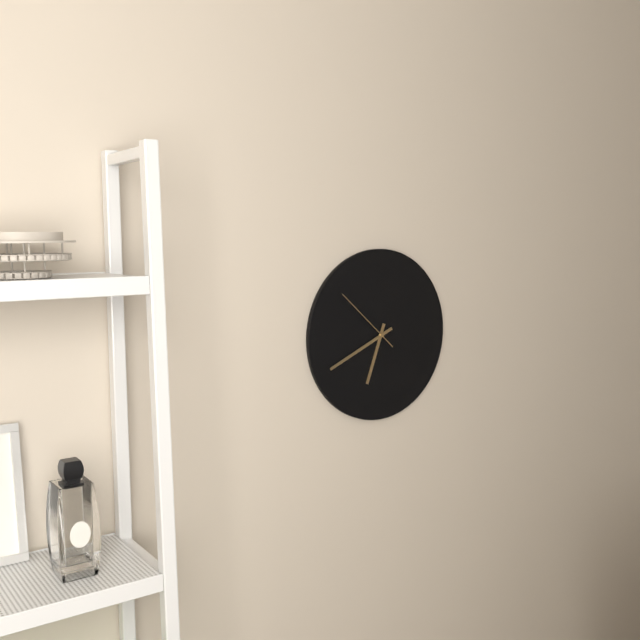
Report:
6:41:52
